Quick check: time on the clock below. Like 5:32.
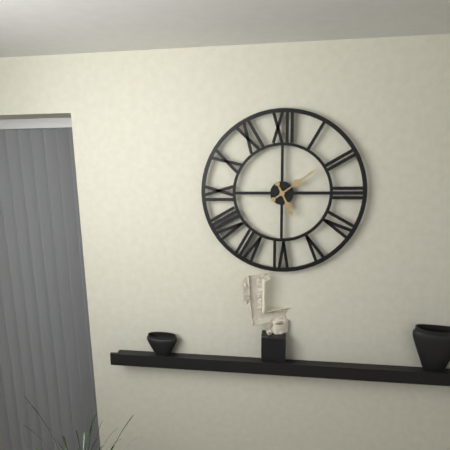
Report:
5:09
